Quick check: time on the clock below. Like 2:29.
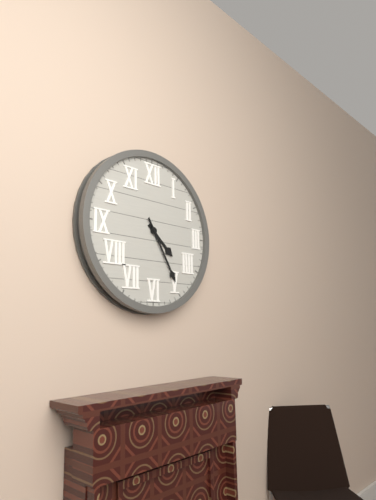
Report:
4:25
